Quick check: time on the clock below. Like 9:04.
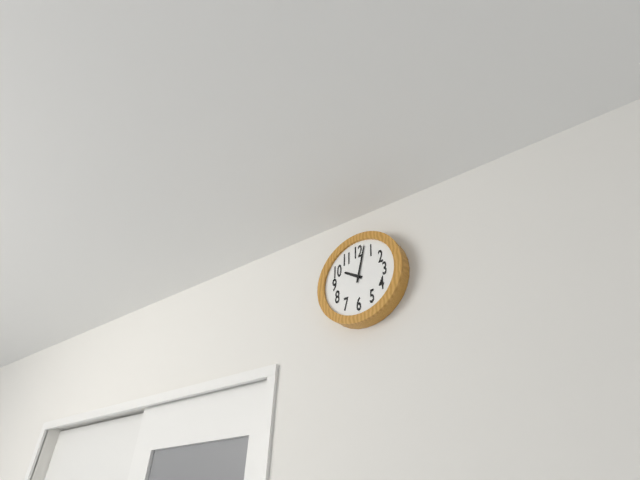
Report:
10:02
